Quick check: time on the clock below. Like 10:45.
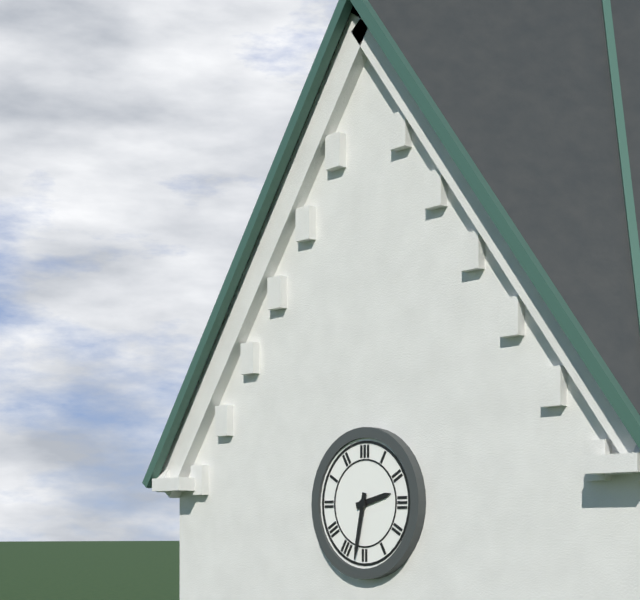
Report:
2:32
